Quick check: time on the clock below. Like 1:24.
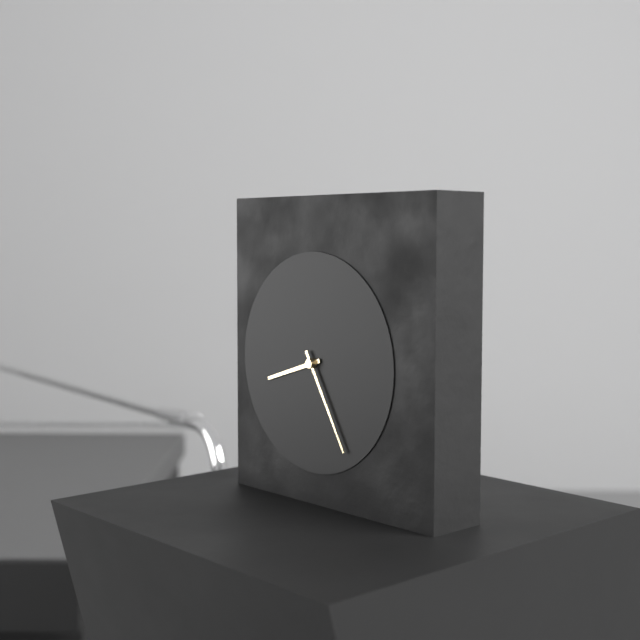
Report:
8:25
